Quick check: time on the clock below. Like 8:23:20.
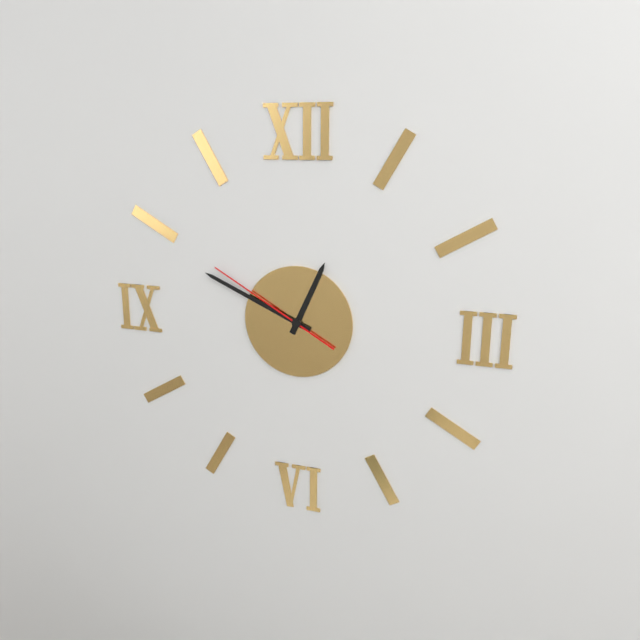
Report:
12:49:50
